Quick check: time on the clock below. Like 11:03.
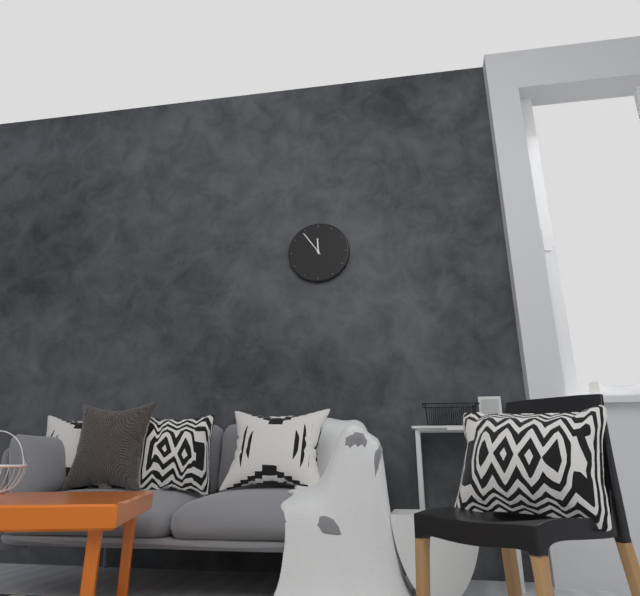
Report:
11:54
